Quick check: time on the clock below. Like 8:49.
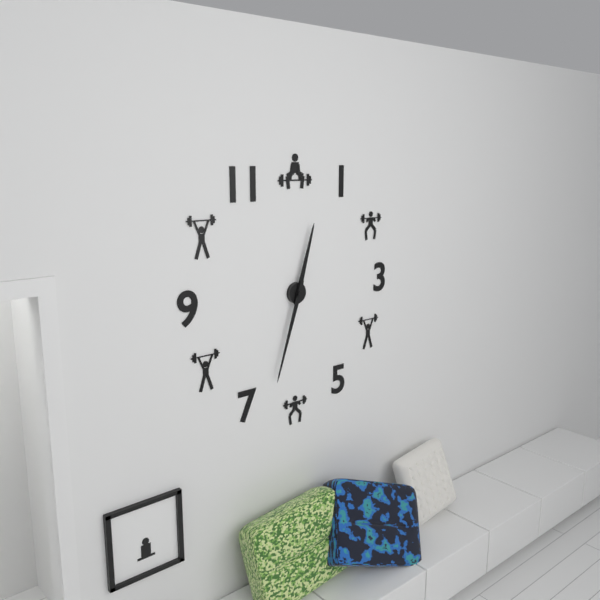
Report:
12:33
